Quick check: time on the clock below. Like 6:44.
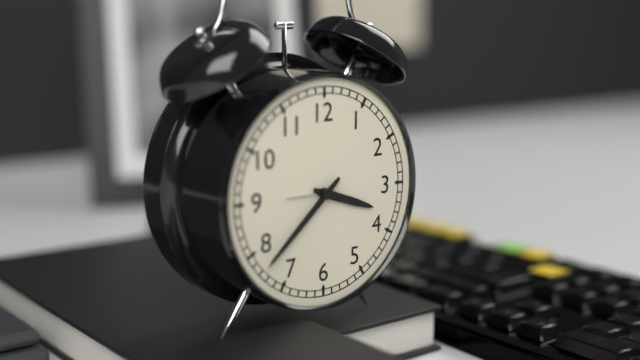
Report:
3:38
